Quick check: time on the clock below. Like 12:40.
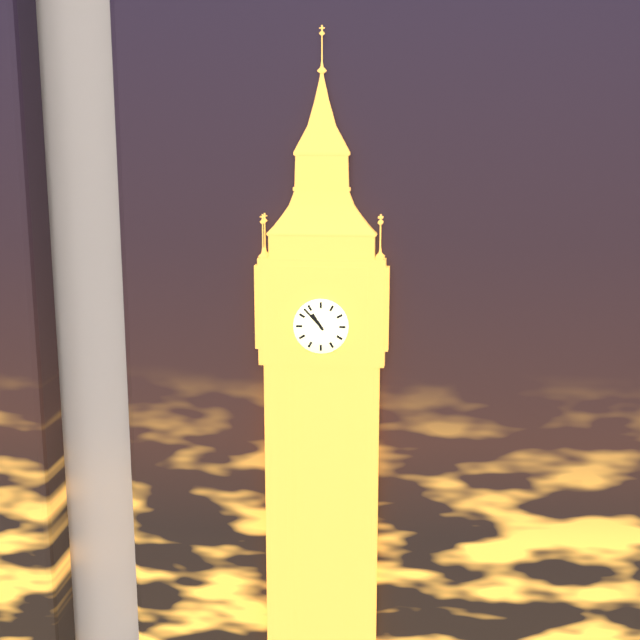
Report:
10:53
